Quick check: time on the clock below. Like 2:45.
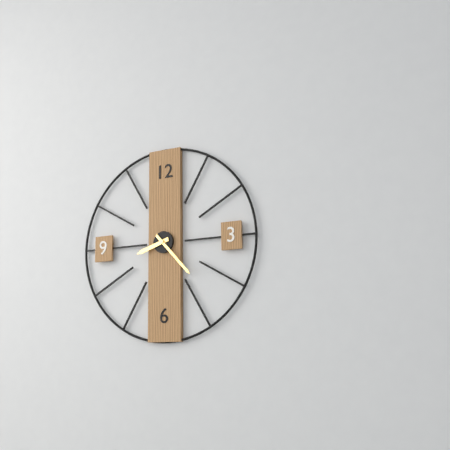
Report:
8:23
